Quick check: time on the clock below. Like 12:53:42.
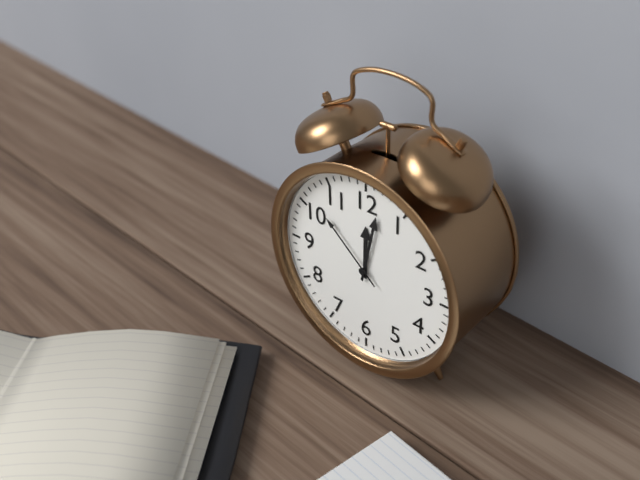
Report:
12:02:52
